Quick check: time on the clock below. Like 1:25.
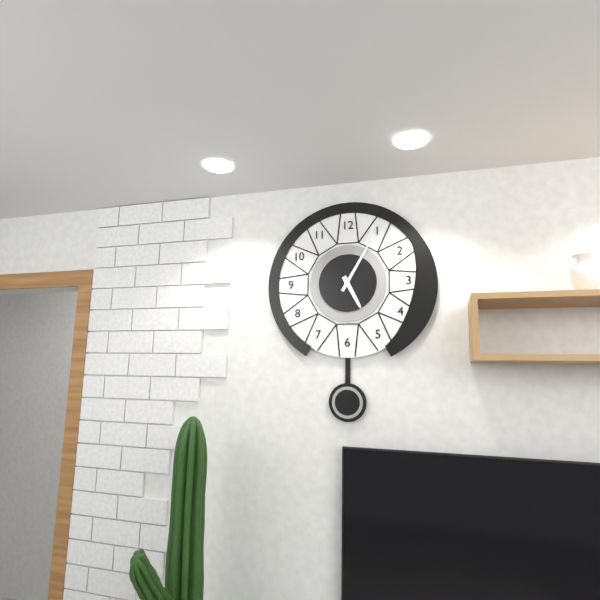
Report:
5:05
